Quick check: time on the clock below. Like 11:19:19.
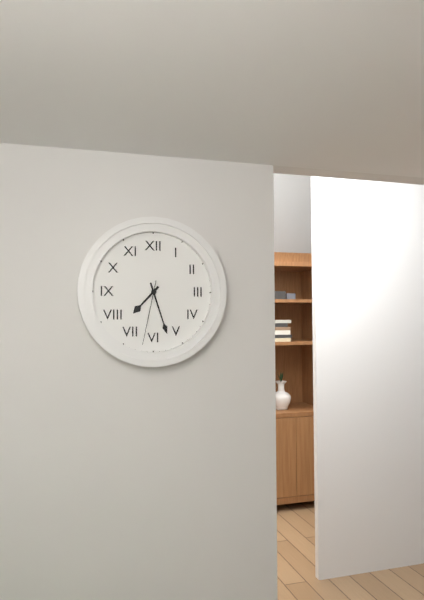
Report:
7:27:32
